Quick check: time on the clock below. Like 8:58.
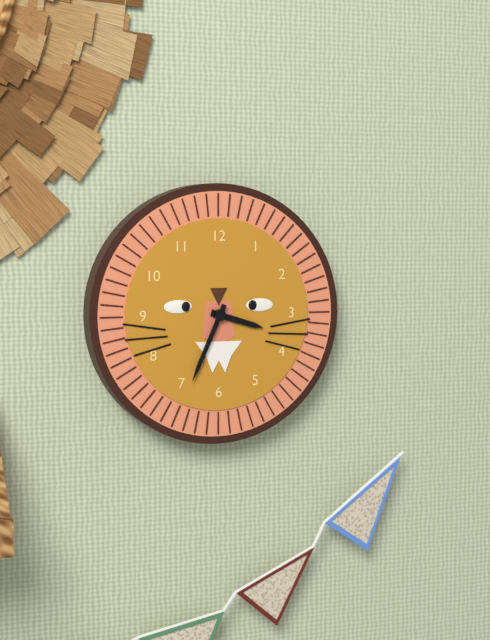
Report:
3:34
